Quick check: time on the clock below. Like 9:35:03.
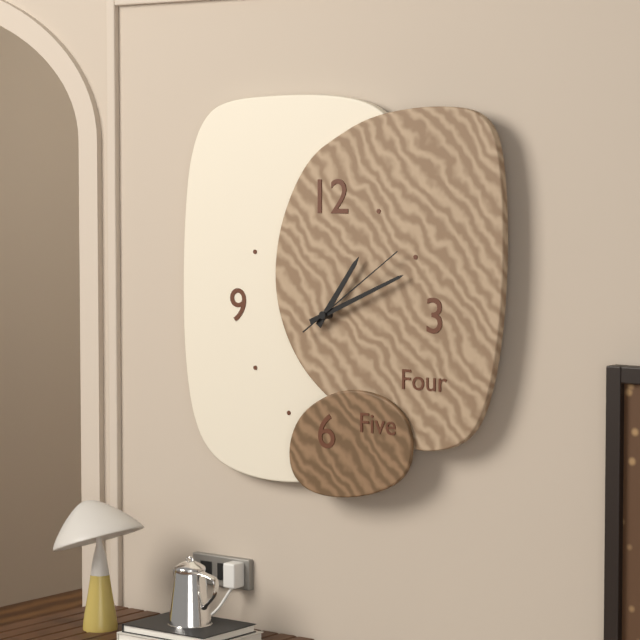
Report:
1:11:09
